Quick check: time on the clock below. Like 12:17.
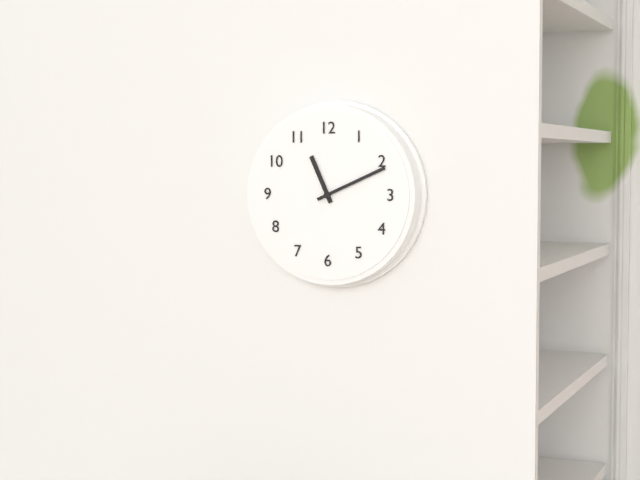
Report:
11:11
